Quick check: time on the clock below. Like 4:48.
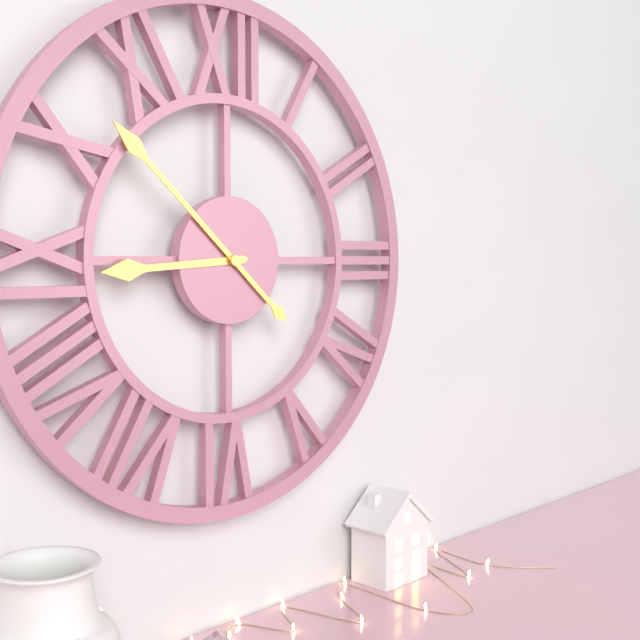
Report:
8:52
